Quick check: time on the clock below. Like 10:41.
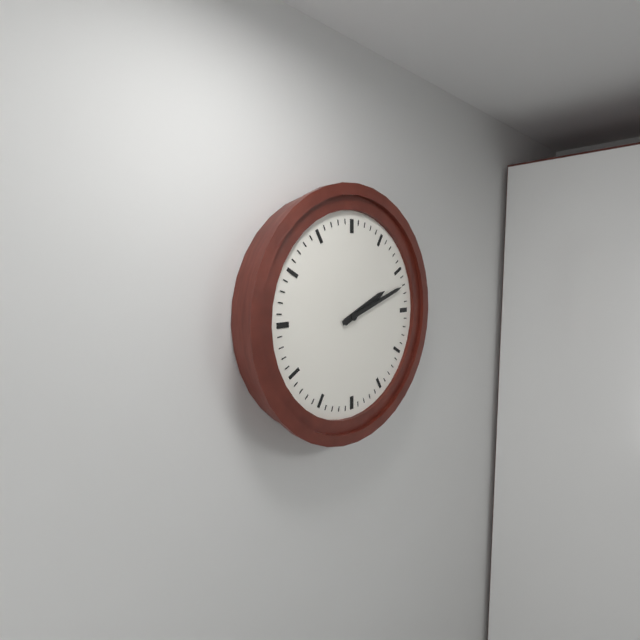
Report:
2:12
